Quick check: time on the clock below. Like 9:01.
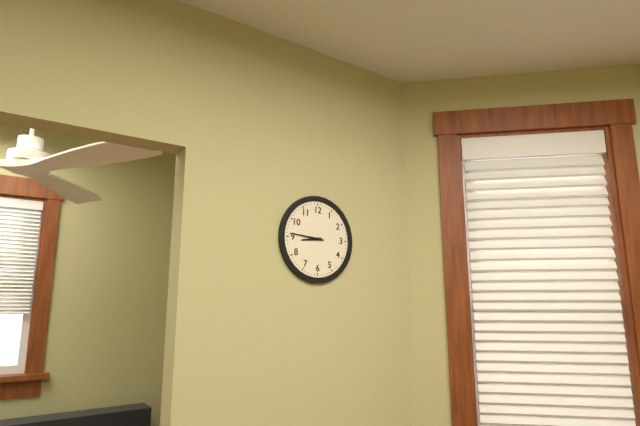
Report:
8:46
